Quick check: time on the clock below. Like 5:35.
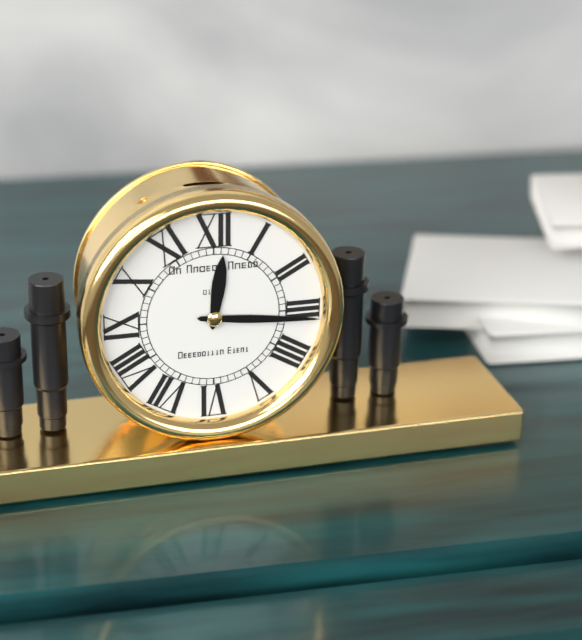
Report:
12:16
